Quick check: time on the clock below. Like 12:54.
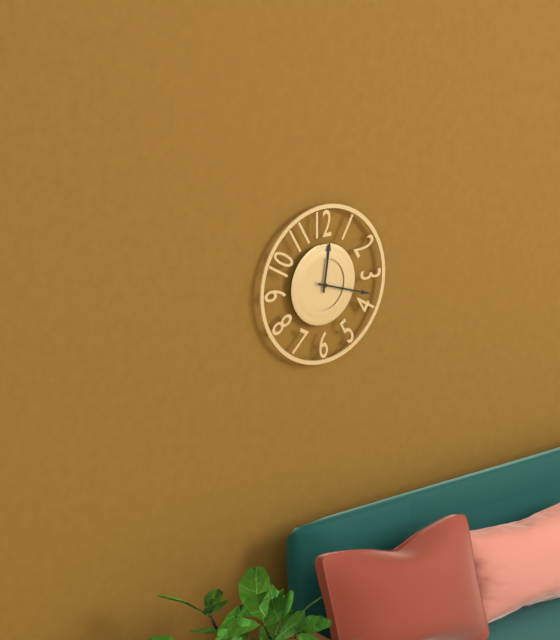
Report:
12:18
